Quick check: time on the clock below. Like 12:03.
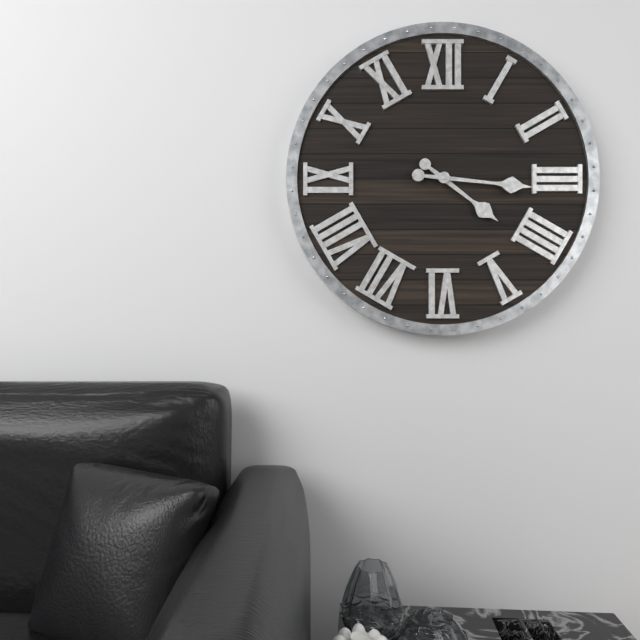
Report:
4:16
